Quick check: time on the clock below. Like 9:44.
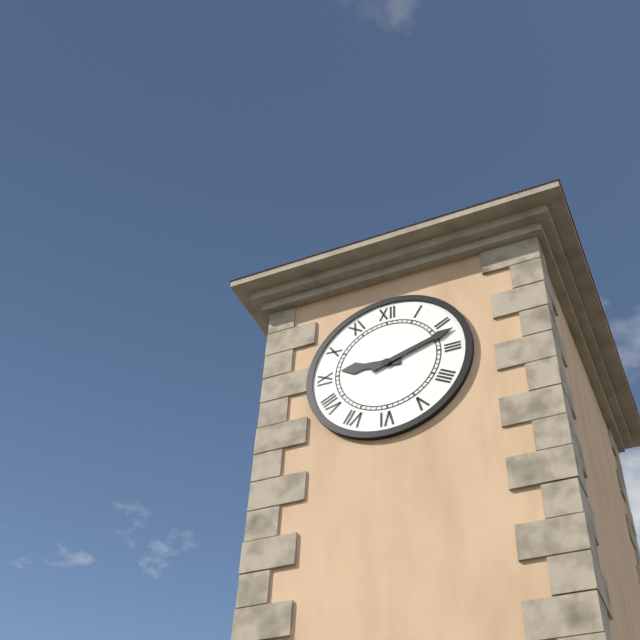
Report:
9:12
